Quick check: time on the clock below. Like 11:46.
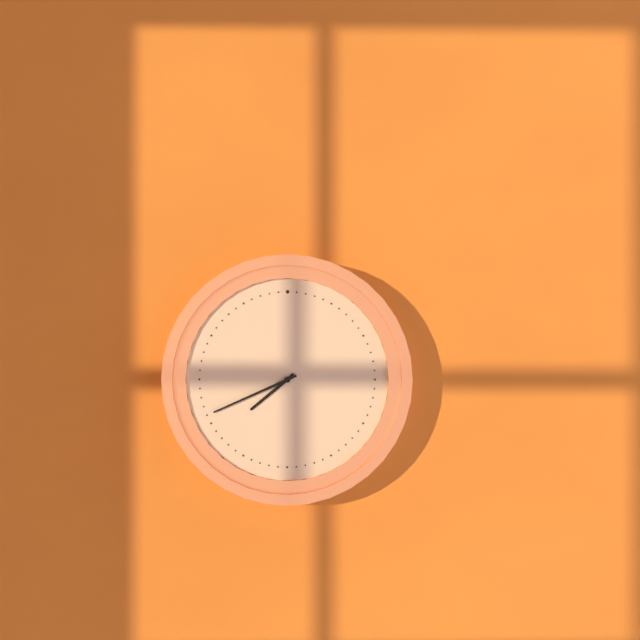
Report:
7:41
